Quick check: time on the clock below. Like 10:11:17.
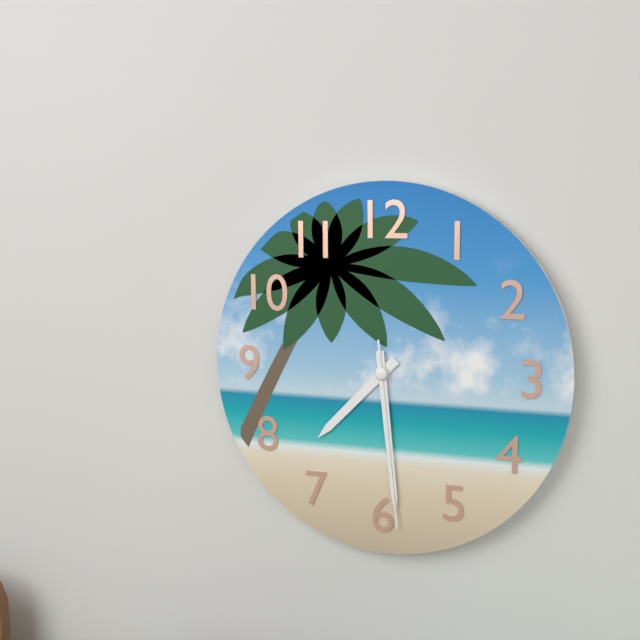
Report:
7:29:29
